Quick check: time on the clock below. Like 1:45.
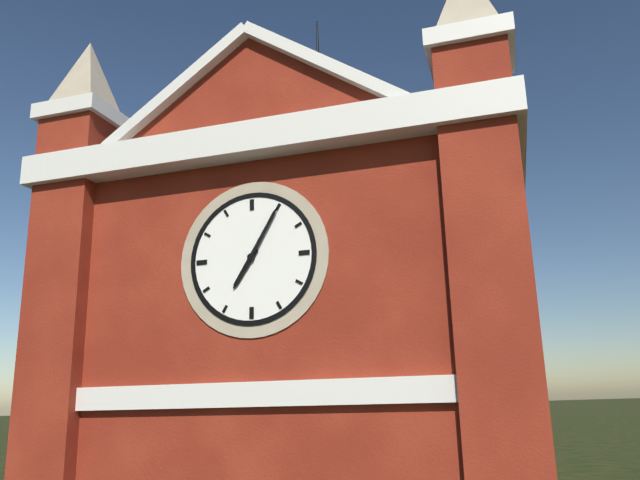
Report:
7:05
